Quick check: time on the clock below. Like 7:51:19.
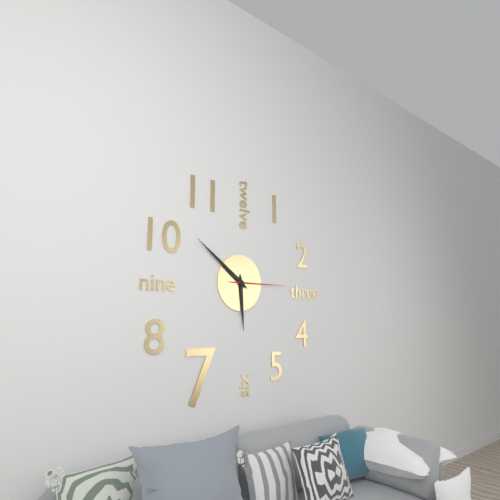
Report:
5:51:15
